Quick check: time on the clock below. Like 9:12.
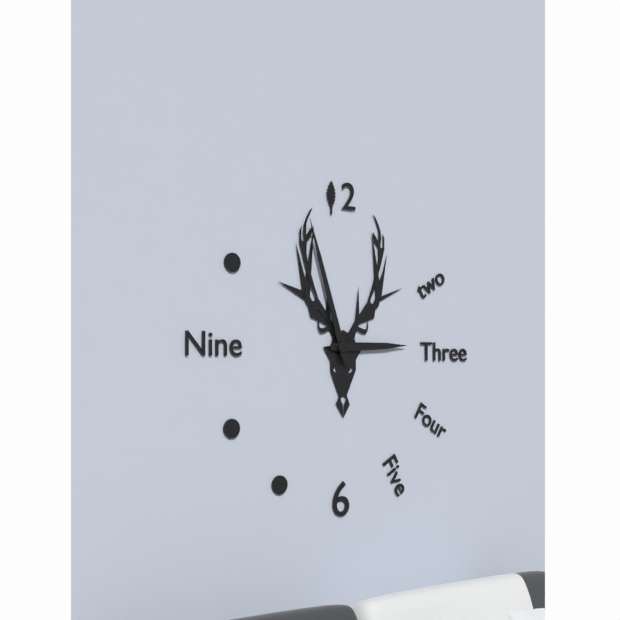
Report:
2:57
